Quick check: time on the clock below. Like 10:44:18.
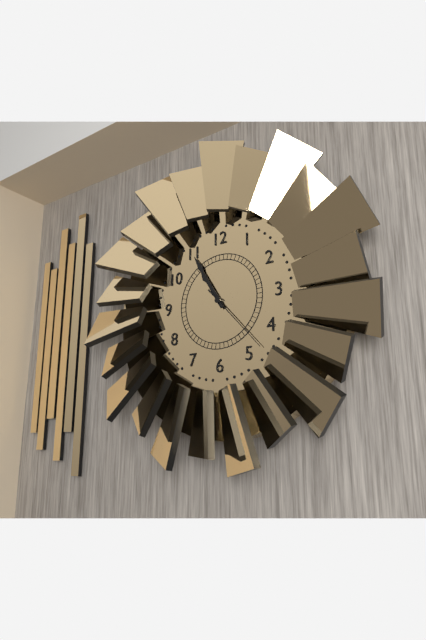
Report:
10:55:23
